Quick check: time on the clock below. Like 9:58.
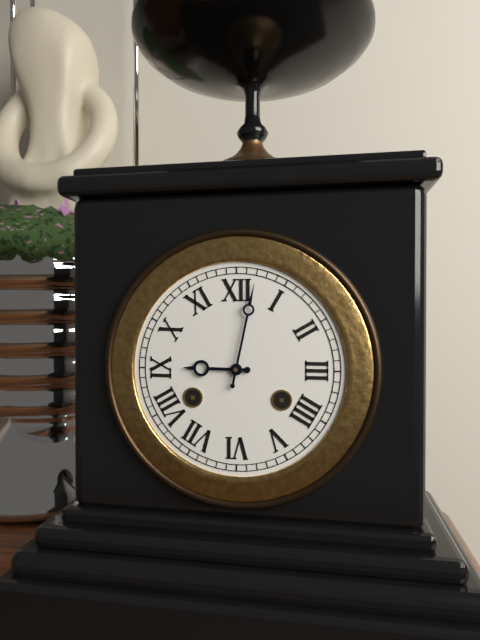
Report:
9:02
